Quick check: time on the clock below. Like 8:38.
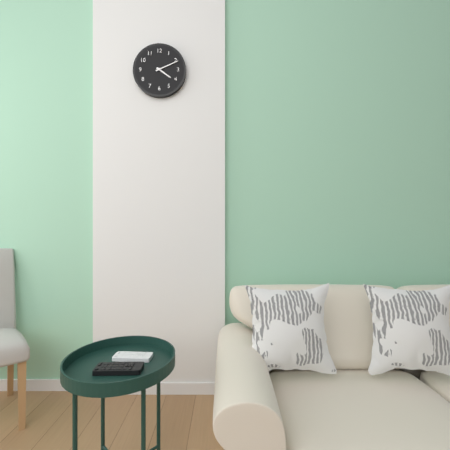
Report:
4:11
